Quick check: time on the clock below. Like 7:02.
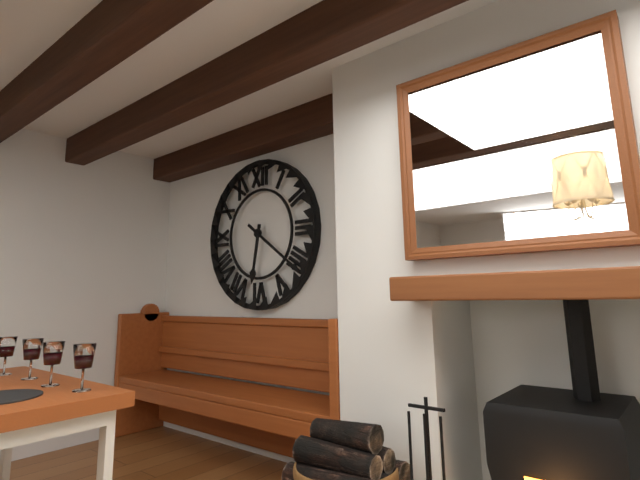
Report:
6:21
